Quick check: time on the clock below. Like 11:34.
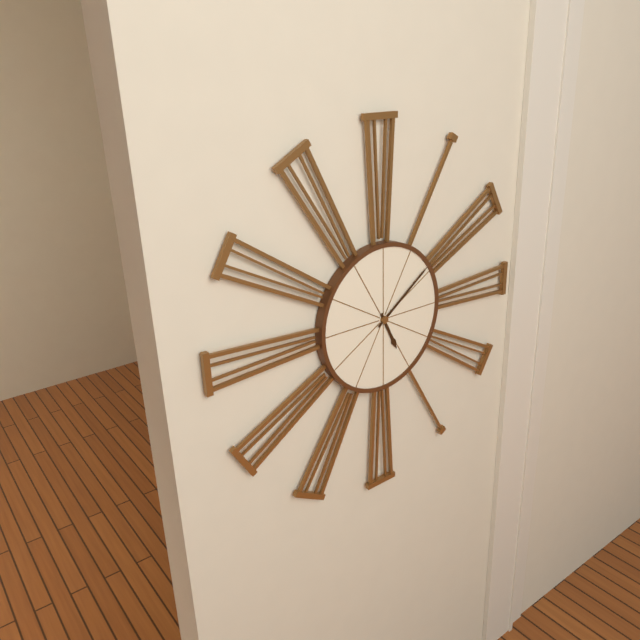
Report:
5:09
